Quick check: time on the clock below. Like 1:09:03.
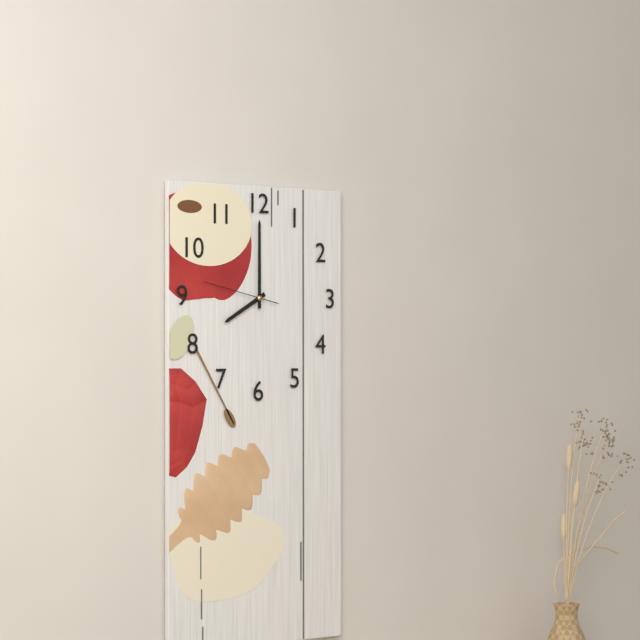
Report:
8:00:47
